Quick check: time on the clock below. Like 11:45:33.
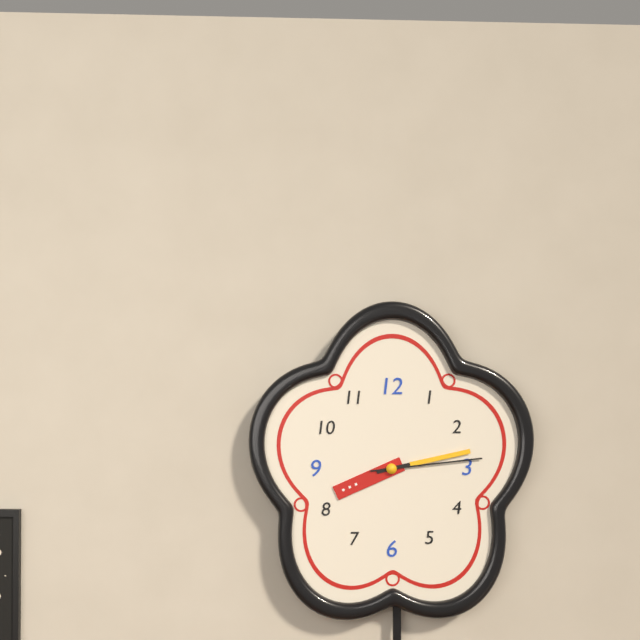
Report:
8:13:14
